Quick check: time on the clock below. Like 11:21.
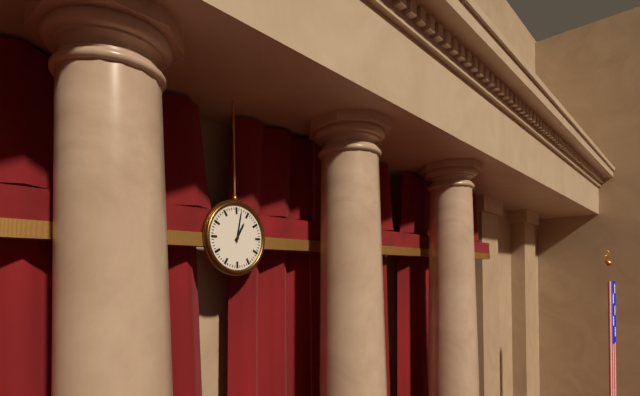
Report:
1:02
